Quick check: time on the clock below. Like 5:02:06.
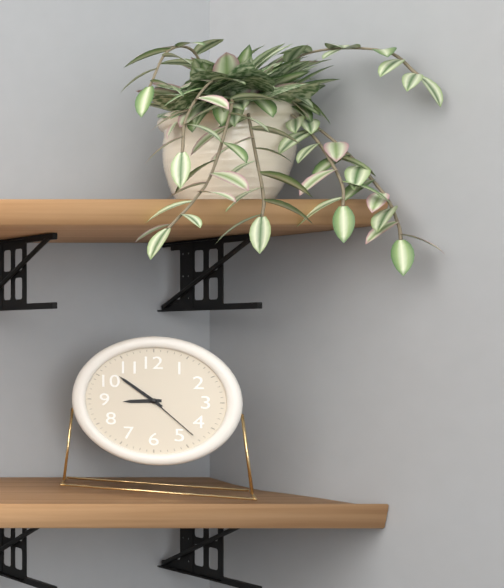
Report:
8:52:23
